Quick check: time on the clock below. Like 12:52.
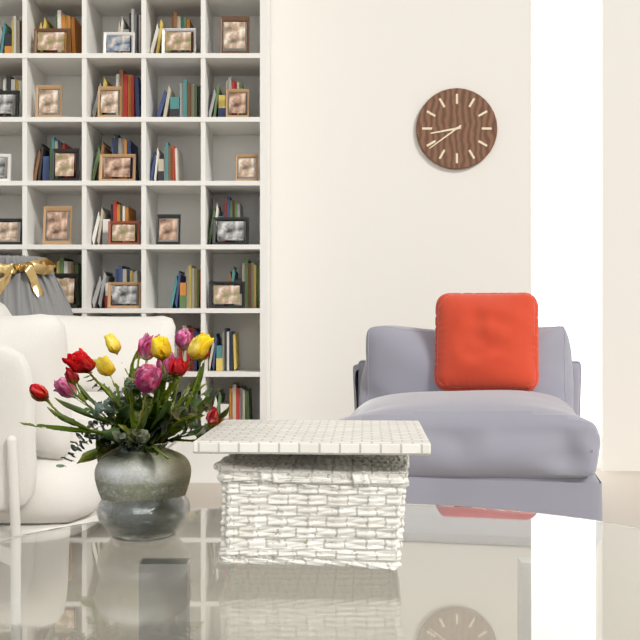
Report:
8:39
